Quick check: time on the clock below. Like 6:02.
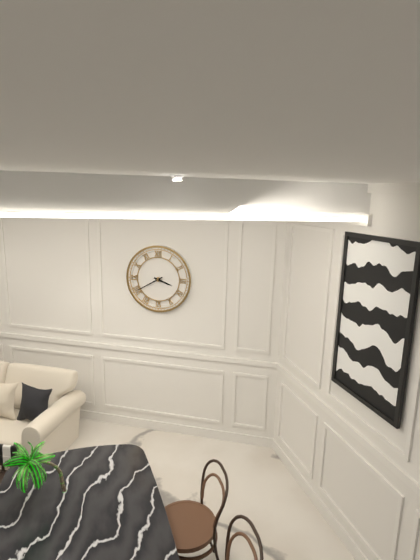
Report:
3:40
